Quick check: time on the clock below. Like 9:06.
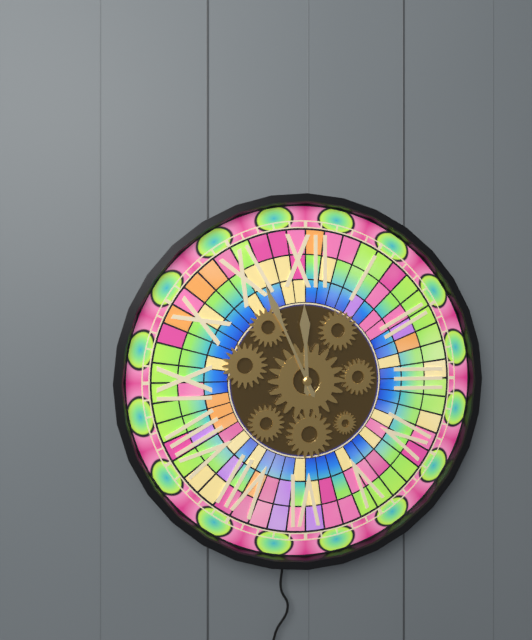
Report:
11:56
